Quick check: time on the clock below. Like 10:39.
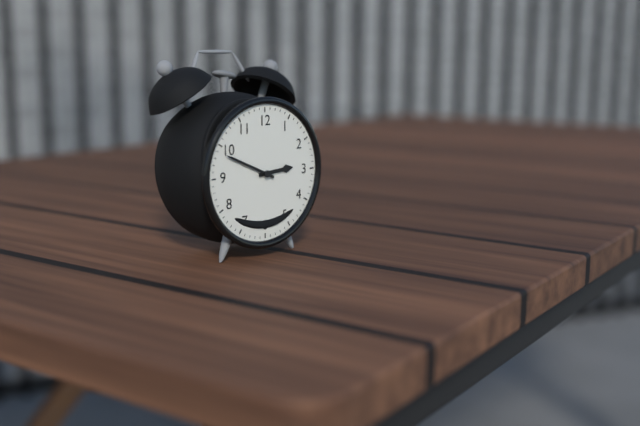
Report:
2:49
